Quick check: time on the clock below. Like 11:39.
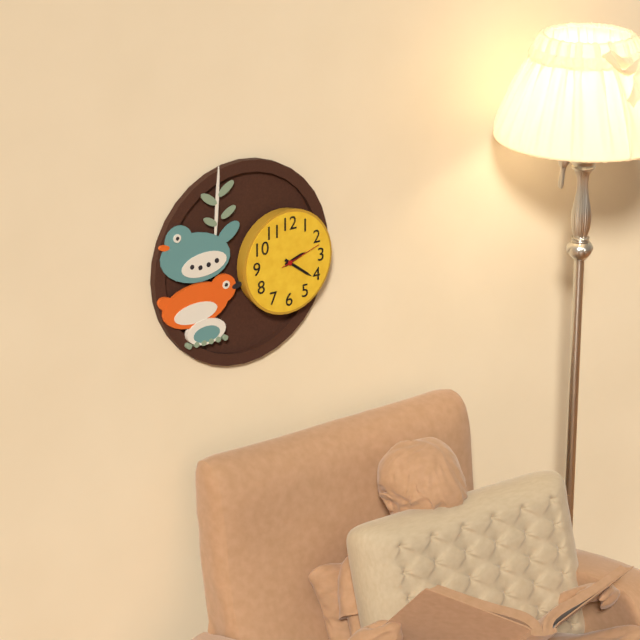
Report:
2:21
